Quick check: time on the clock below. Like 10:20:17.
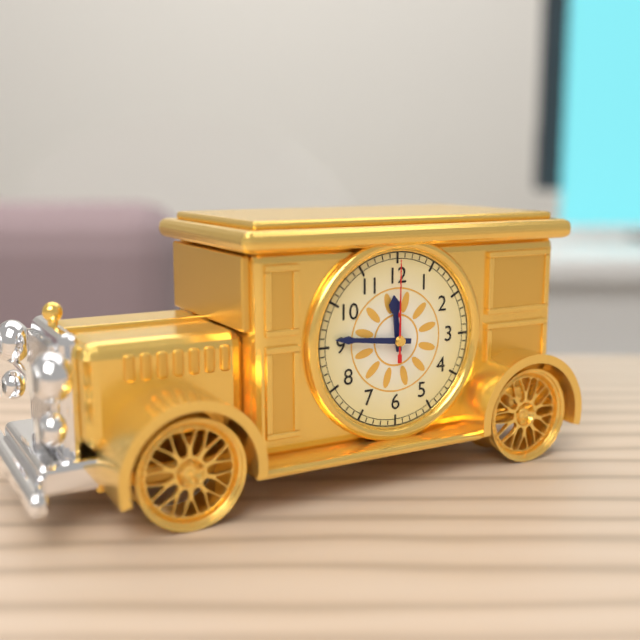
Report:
11:46:00
